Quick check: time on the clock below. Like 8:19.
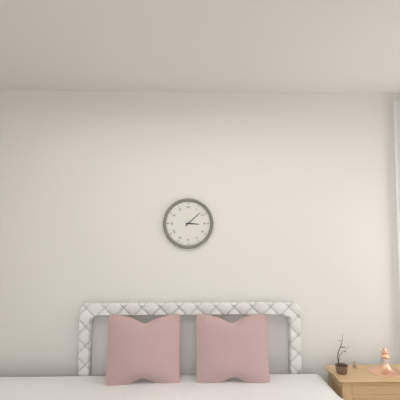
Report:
3:08
